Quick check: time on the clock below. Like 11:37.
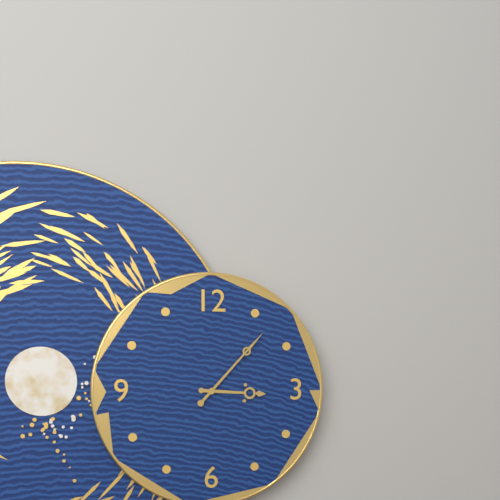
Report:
3:07
